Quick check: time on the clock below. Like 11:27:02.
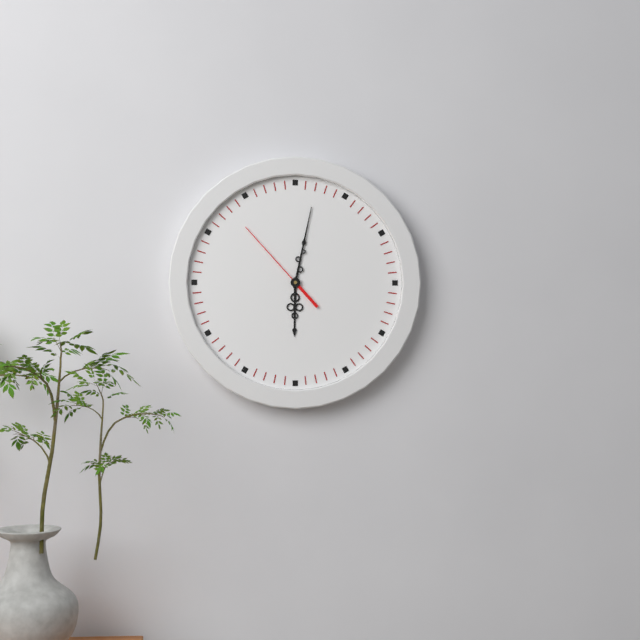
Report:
6:02:53
